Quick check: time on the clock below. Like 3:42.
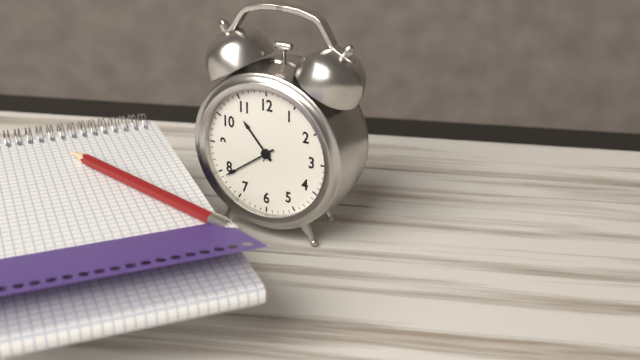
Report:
10:39
